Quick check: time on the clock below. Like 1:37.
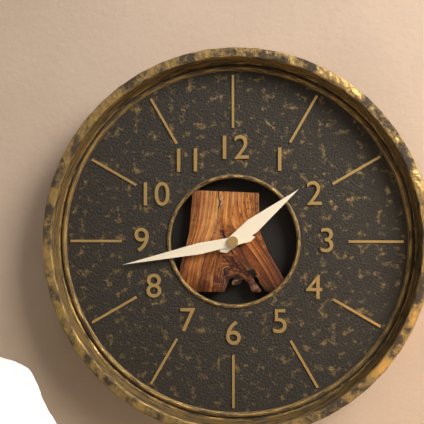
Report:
1:43
